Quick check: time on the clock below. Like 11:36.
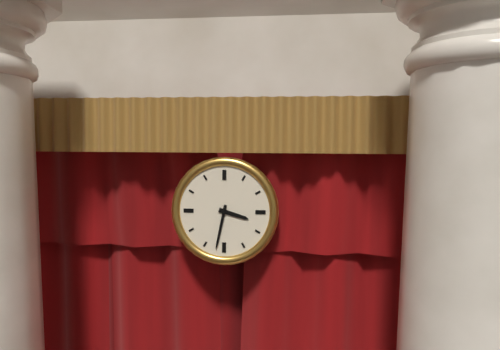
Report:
3:32
